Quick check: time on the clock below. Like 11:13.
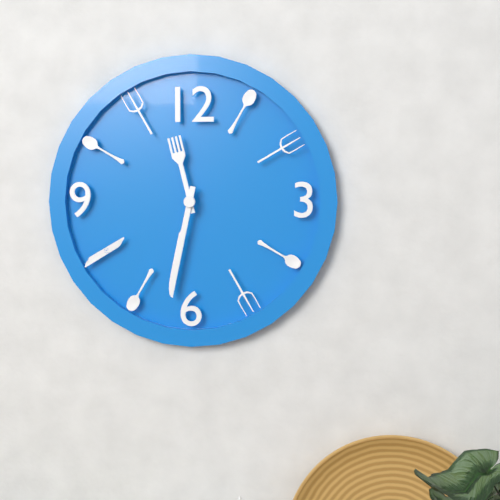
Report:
11:32
